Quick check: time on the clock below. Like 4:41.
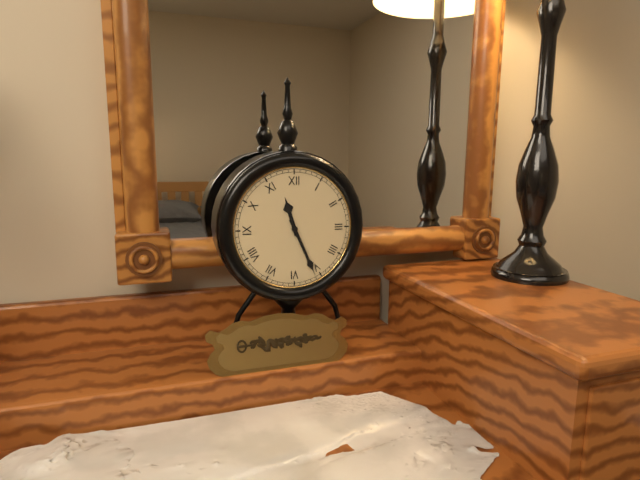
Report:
11:26
